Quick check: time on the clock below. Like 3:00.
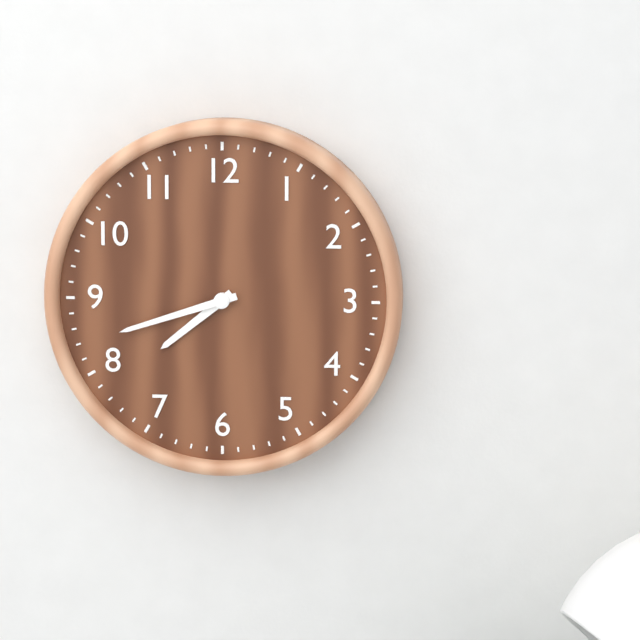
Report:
7:42
